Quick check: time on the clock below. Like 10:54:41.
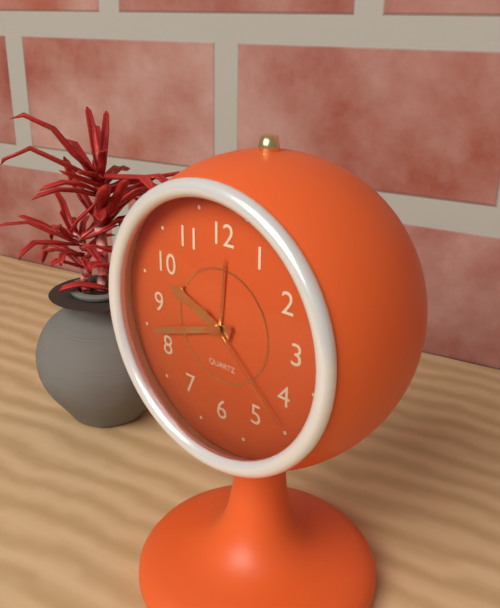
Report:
9:42:22
